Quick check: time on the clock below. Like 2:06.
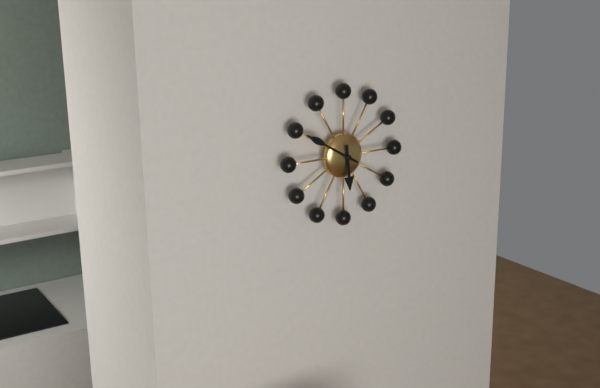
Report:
5:50
